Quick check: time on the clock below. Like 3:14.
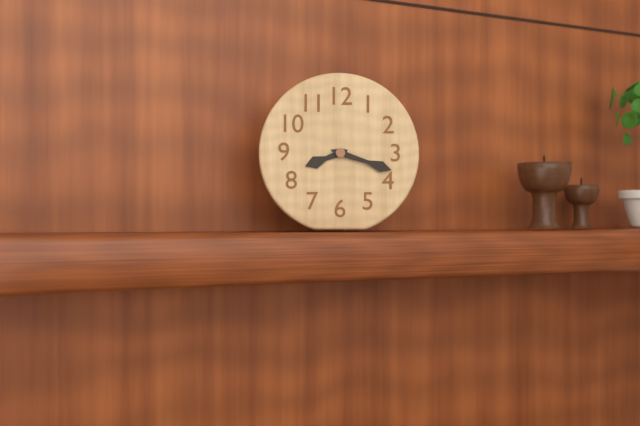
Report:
8:18
